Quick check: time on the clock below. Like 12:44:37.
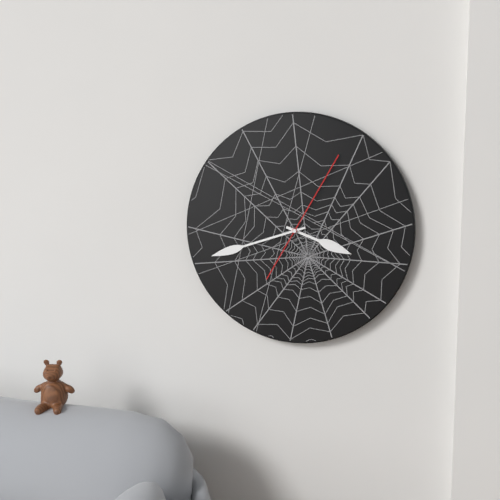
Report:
3:42:05
